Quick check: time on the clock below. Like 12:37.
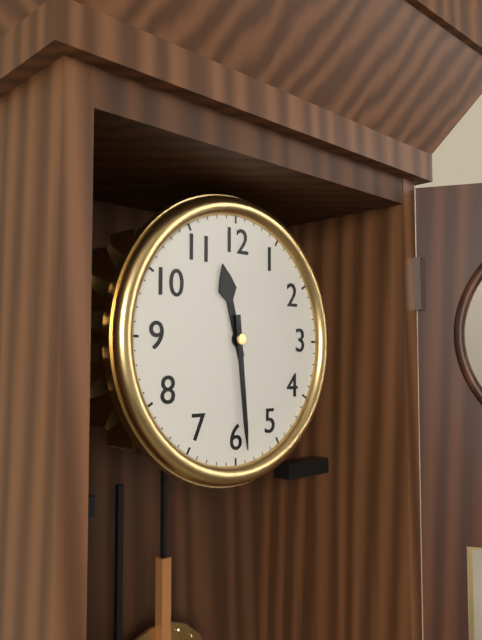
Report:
11:29
